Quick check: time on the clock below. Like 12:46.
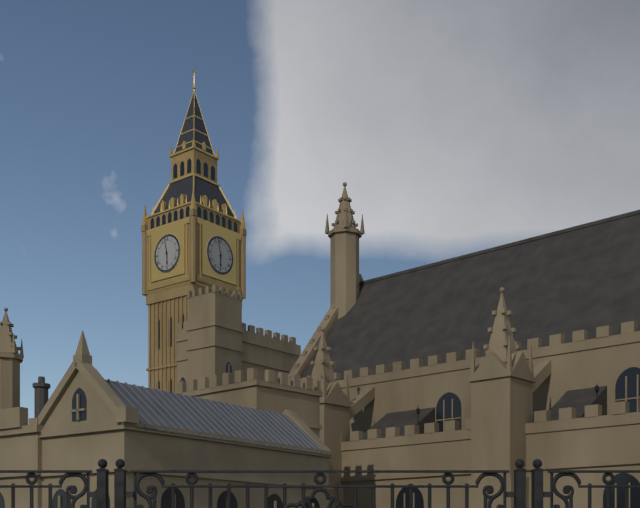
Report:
5:58
